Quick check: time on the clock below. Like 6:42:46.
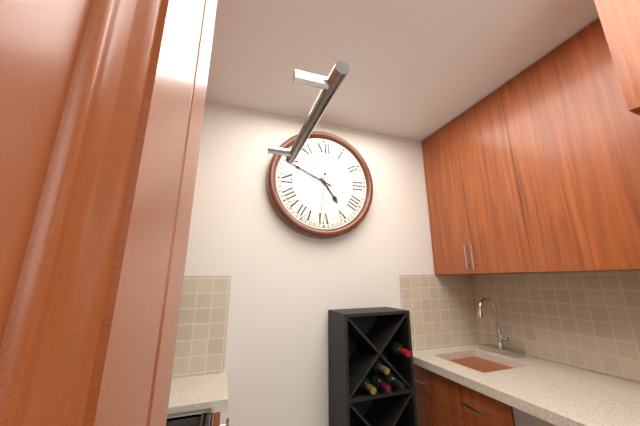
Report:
4:49:31
